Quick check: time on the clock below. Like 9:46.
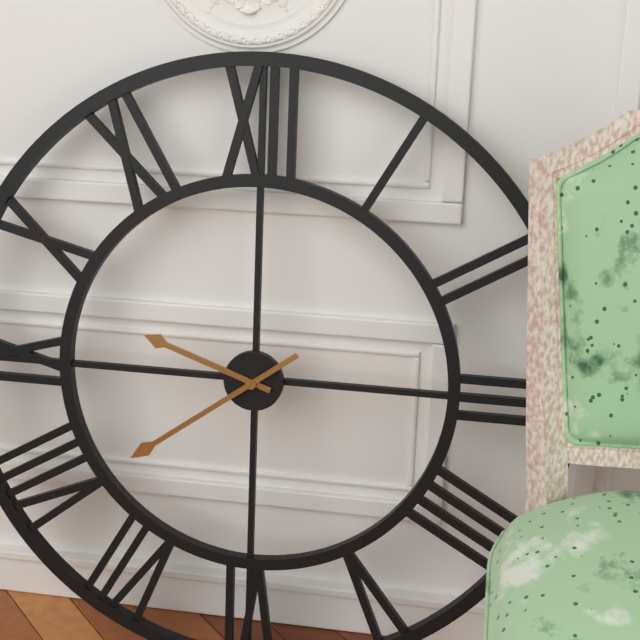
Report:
9:39
